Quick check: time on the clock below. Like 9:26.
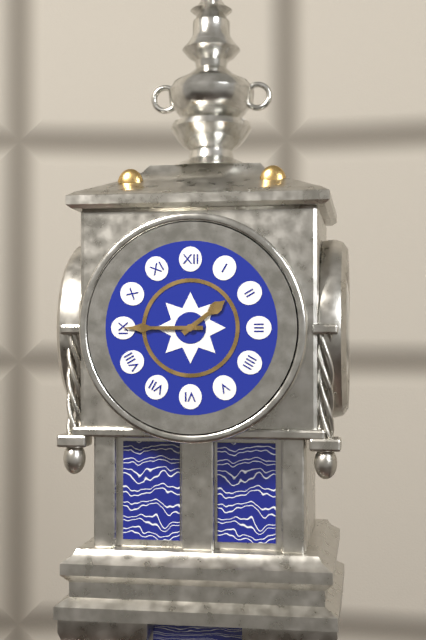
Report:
1:45
